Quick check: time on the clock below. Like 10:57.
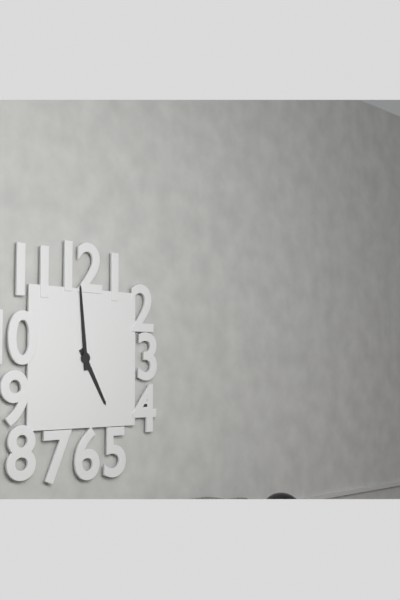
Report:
4:59
